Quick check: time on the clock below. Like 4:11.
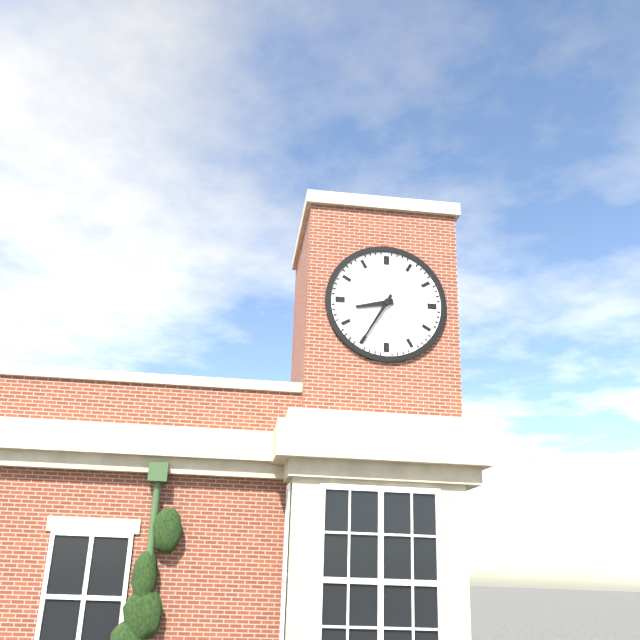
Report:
8:35
